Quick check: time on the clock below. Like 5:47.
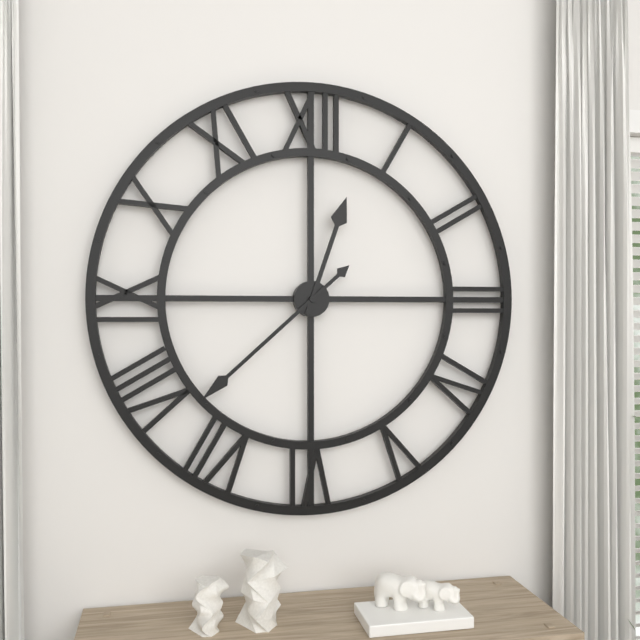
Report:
12:38
